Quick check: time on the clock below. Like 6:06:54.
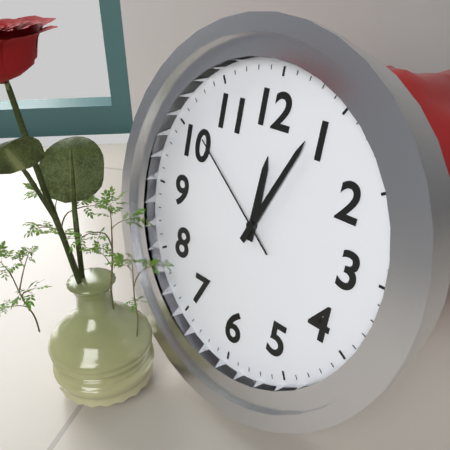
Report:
12:04:51
